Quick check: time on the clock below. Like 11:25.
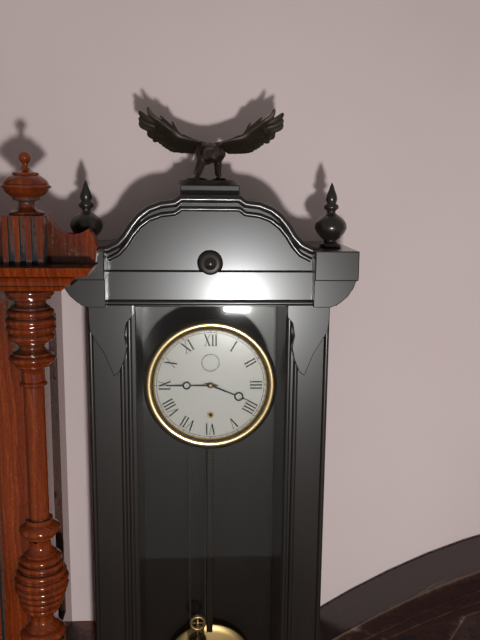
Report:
3:45
